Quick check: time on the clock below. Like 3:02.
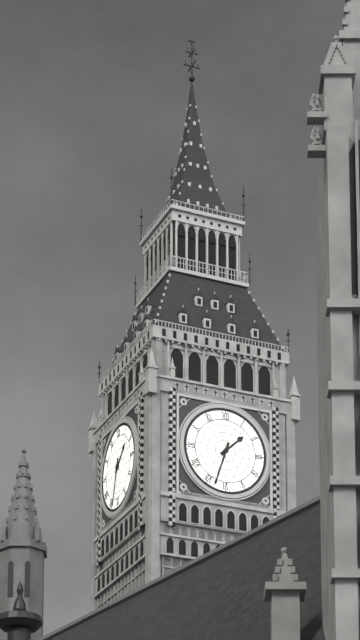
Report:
1:33
